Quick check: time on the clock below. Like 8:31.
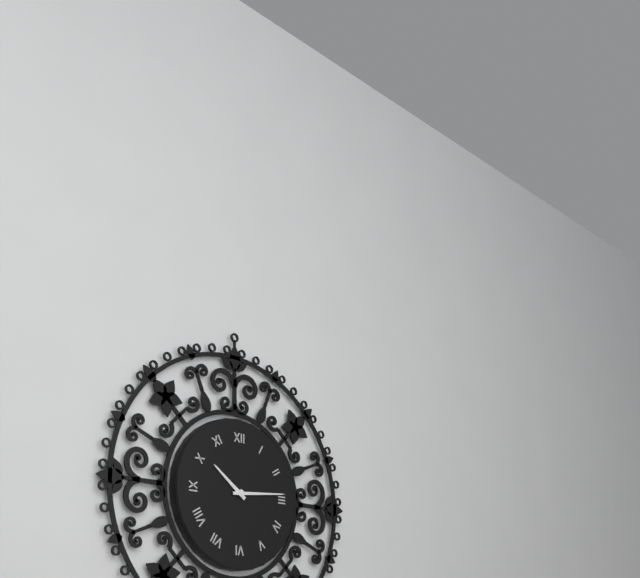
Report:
10:14
